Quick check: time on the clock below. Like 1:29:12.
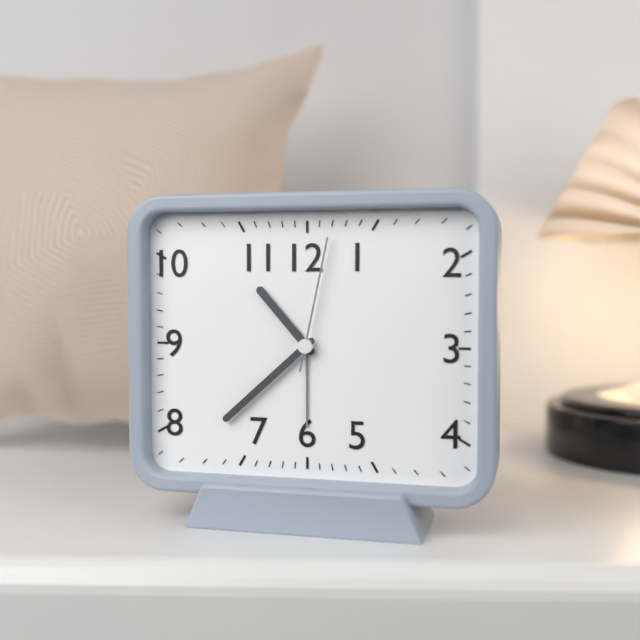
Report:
10:38:02
